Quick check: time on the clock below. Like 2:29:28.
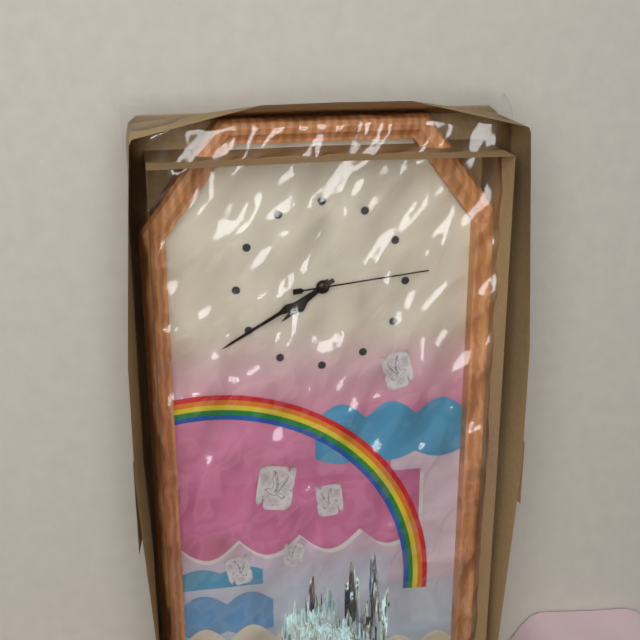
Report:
7:40:14
